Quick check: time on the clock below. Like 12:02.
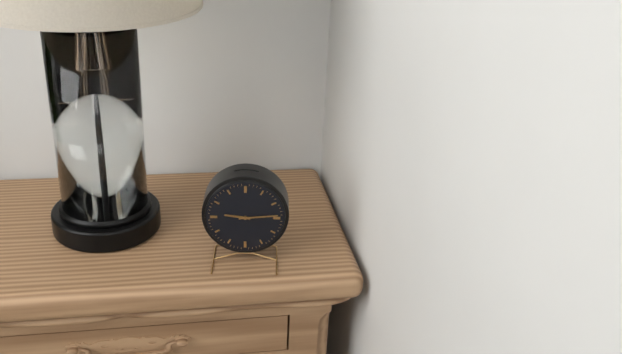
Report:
9:14
